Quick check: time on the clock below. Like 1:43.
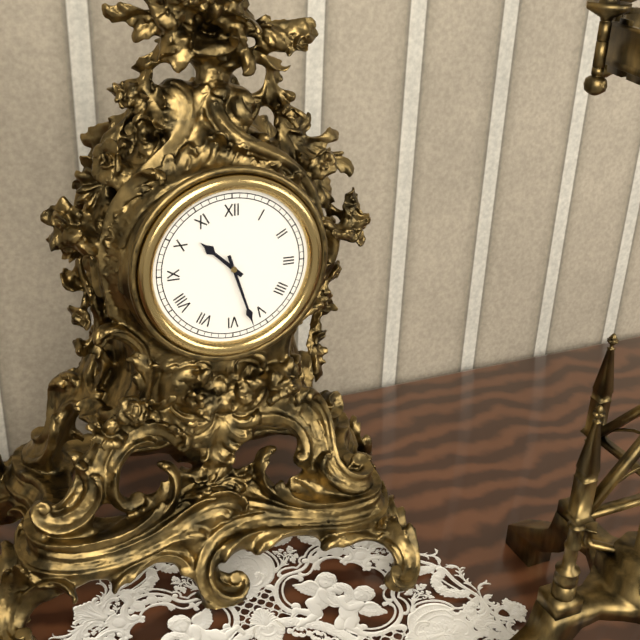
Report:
10:27
